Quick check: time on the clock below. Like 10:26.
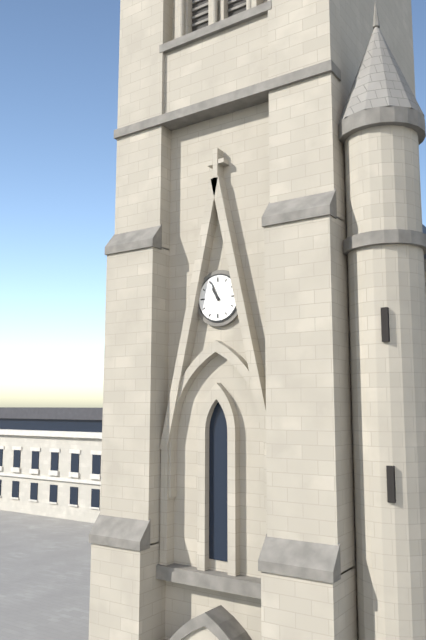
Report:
10:56
